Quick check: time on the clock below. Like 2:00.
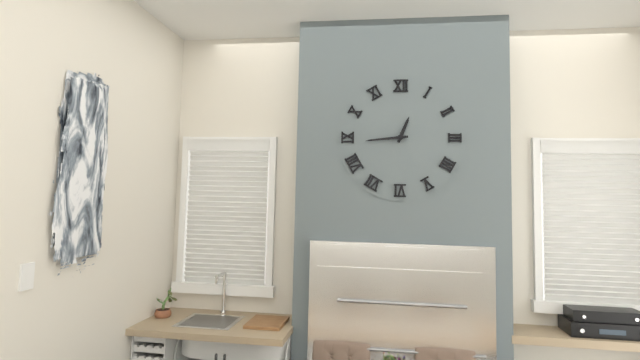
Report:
12:44
